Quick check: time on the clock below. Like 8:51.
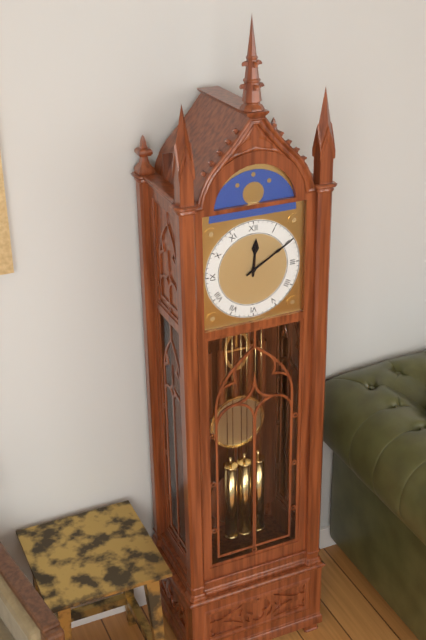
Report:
12:10
